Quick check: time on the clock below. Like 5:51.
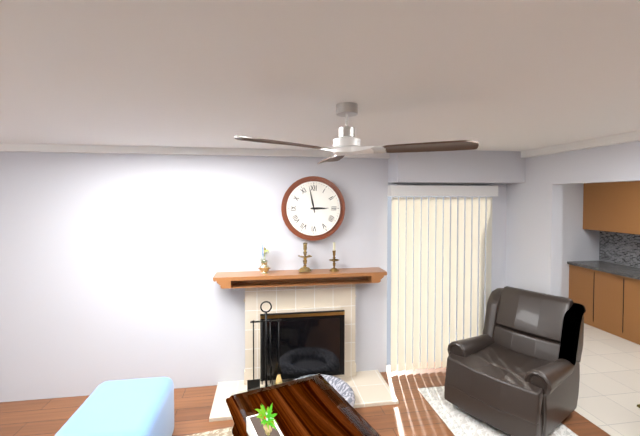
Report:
2:58
